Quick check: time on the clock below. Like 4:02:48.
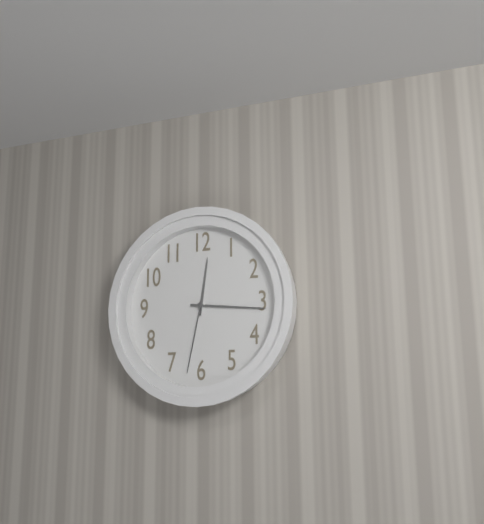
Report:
12:16:32
